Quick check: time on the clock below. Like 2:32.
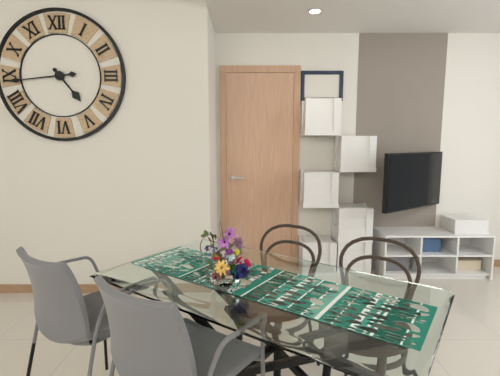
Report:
4:44
